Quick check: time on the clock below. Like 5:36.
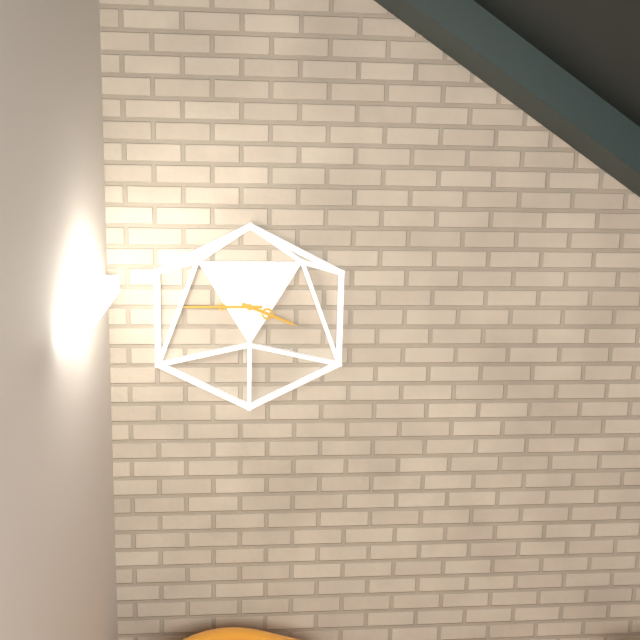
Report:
3:45
